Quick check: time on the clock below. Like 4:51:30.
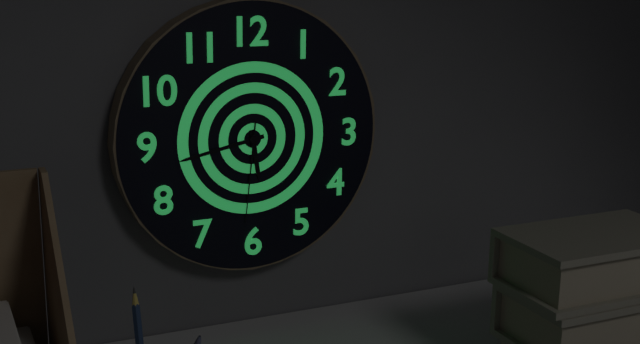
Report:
5:43:31
